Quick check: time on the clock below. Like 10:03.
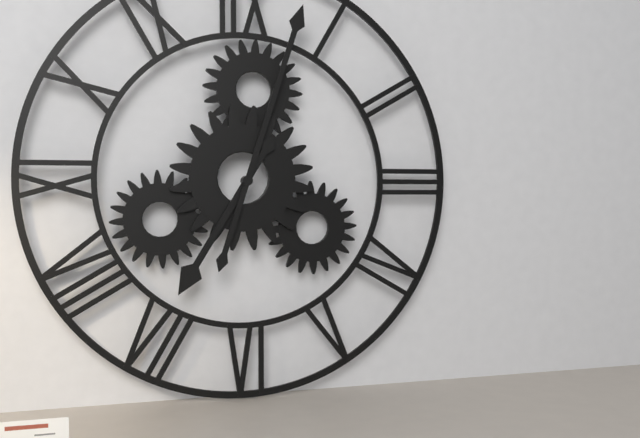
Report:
7:03
